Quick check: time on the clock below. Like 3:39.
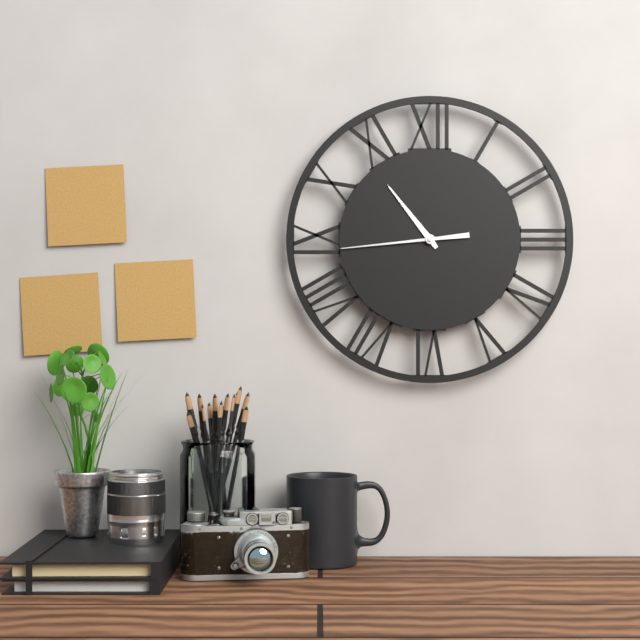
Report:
10:44
